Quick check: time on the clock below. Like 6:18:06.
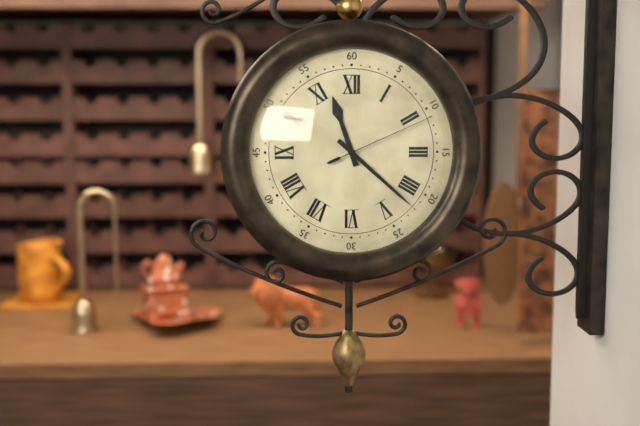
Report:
11:22:11
